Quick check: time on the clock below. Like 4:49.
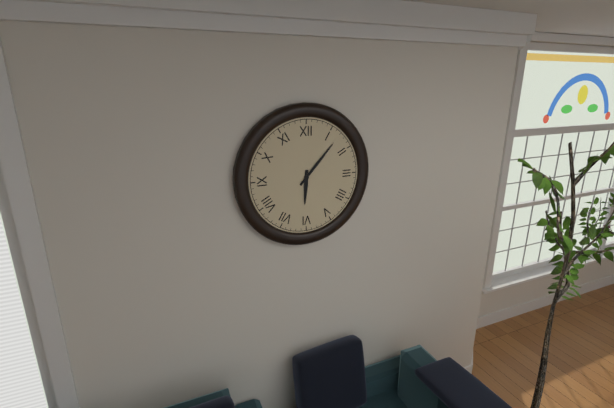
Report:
6:07
